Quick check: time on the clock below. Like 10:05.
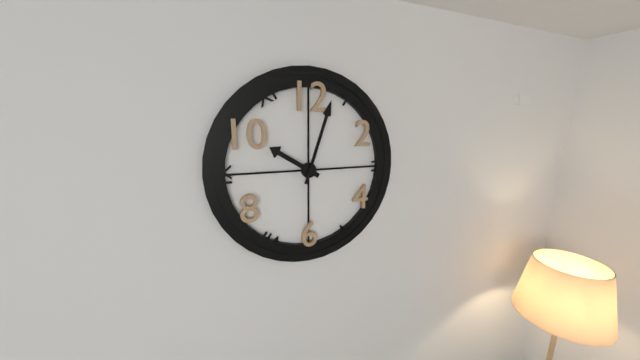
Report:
10:03
